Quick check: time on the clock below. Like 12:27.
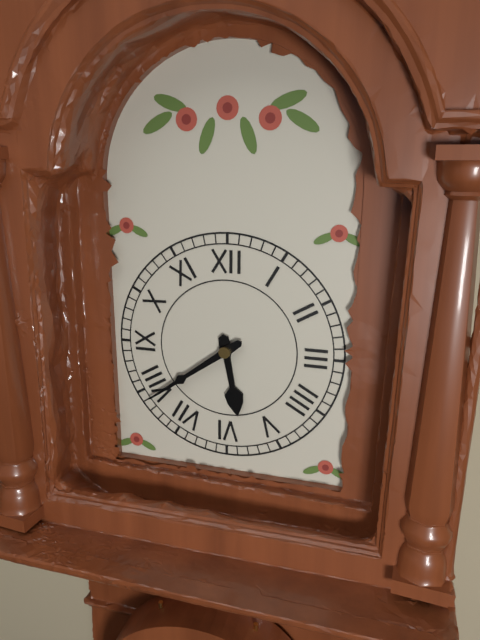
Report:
5:39
